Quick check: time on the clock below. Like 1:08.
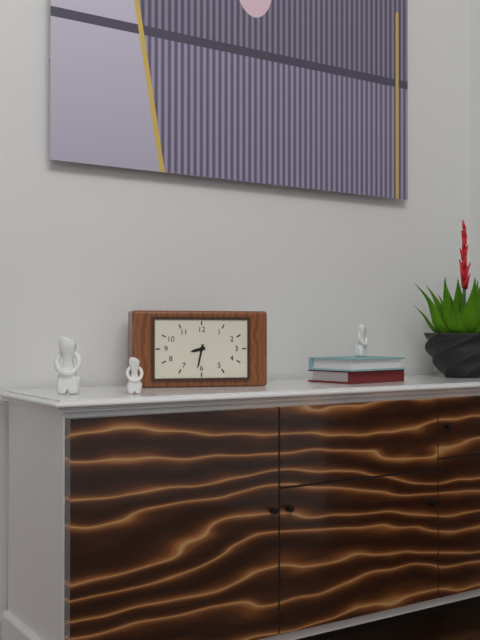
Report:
8:32
